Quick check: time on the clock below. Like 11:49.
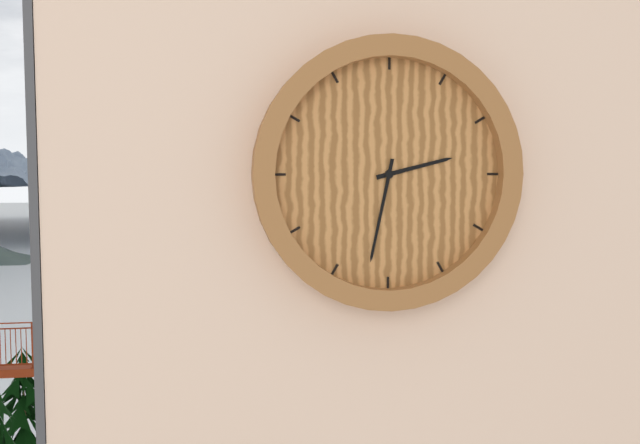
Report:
2:32
